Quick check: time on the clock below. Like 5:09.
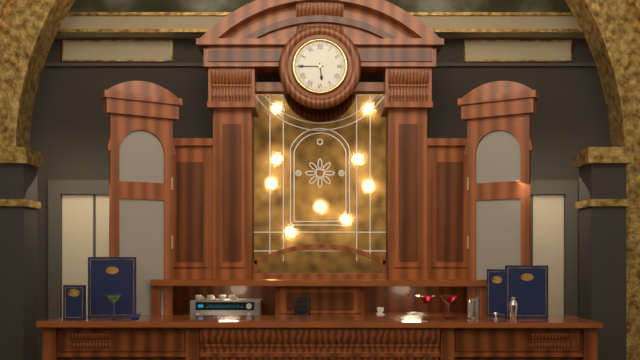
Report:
5:45
